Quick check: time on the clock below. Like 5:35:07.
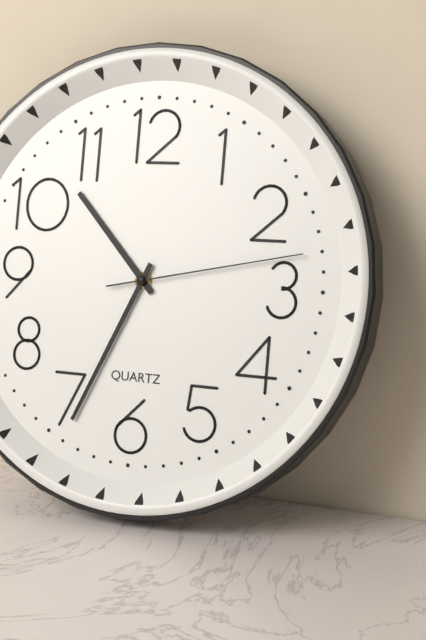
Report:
10:34:13
